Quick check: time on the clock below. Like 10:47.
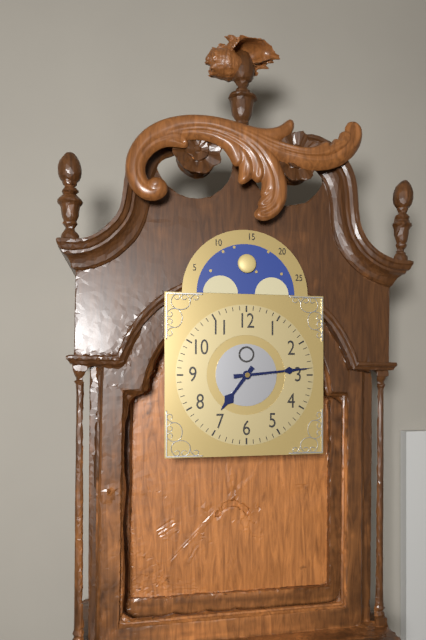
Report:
7:14
